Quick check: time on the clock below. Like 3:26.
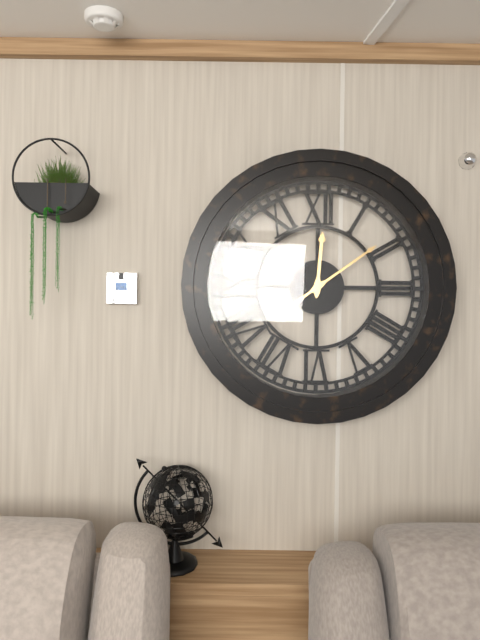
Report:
12:09
